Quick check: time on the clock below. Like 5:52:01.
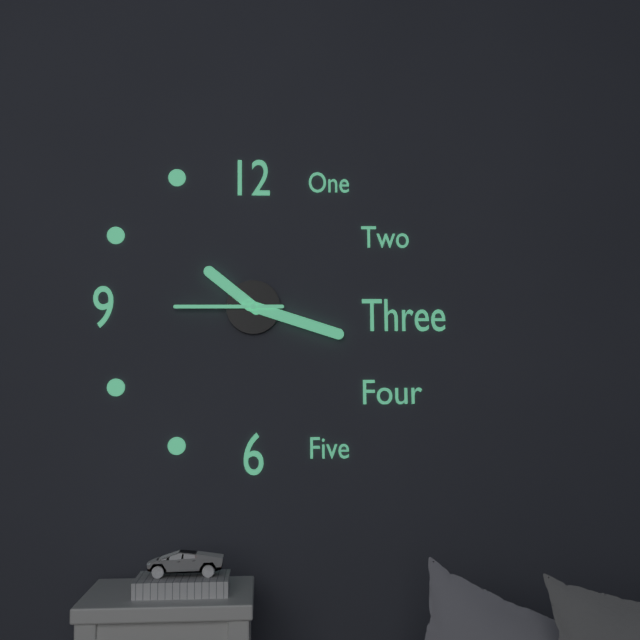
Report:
10:18:45
